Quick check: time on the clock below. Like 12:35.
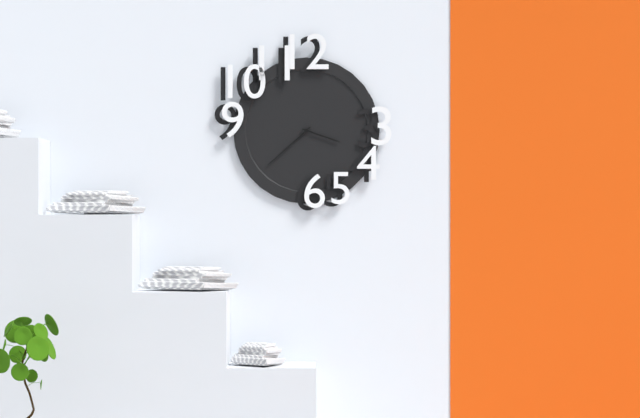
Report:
3:38
